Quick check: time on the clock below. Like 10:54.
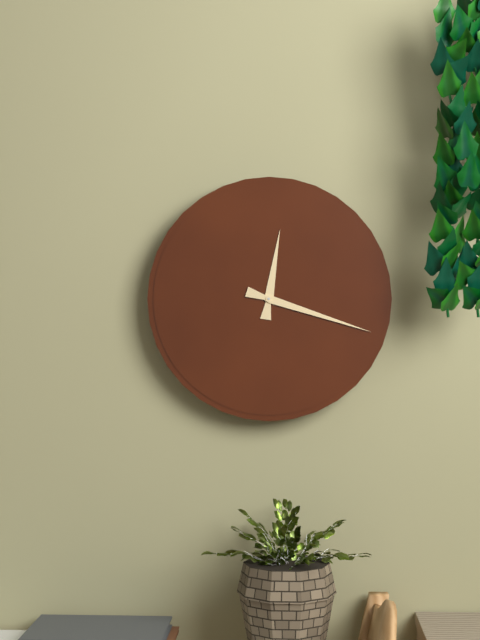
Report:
12:18
